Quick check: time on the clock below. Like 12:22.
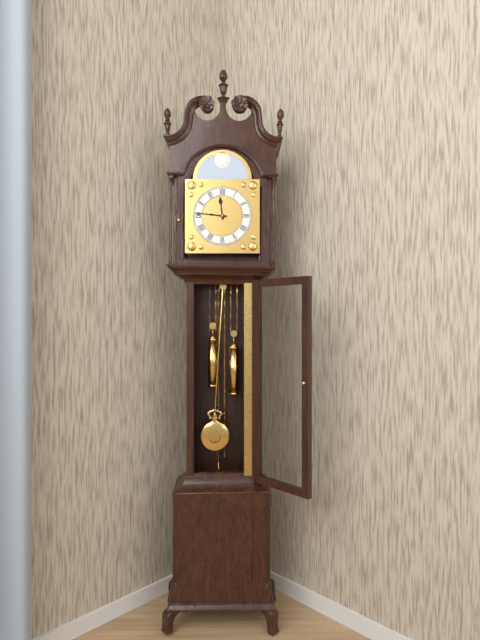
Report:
11:46
